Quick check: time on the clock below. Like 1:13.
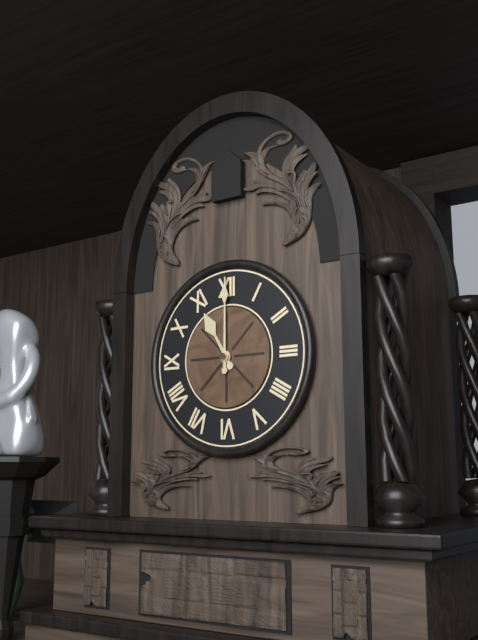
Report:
11:00
